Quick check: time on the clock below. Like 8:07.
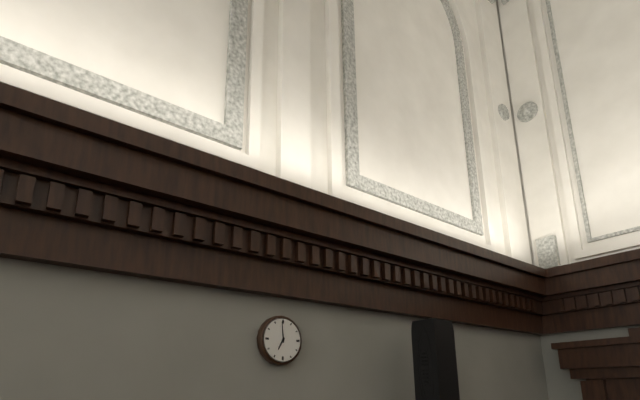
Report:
6:59
